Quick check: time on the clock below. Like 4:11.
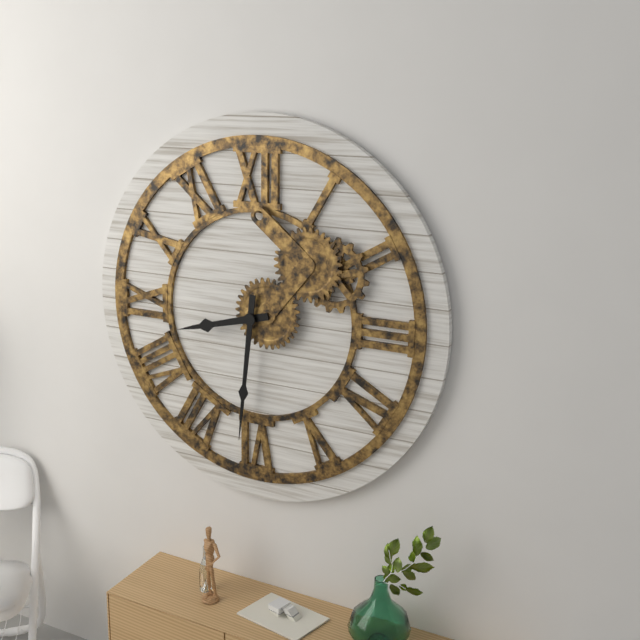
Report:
8:31
